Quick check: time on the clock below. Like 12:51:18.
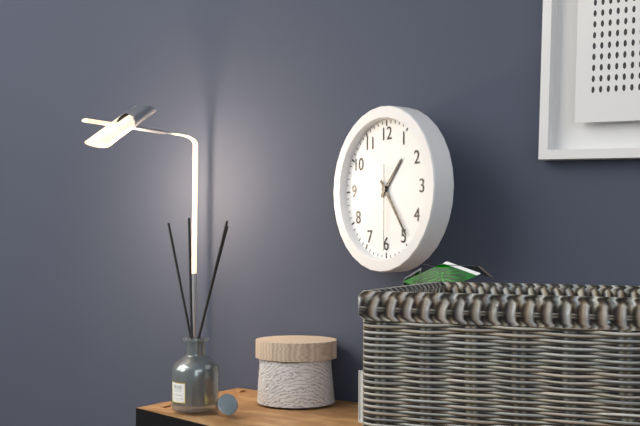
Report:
1:24:30
